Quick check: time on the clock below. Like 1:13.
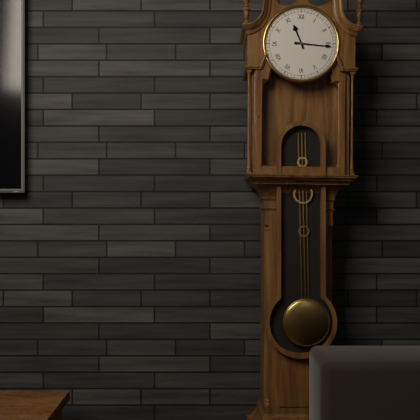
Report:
11:16
